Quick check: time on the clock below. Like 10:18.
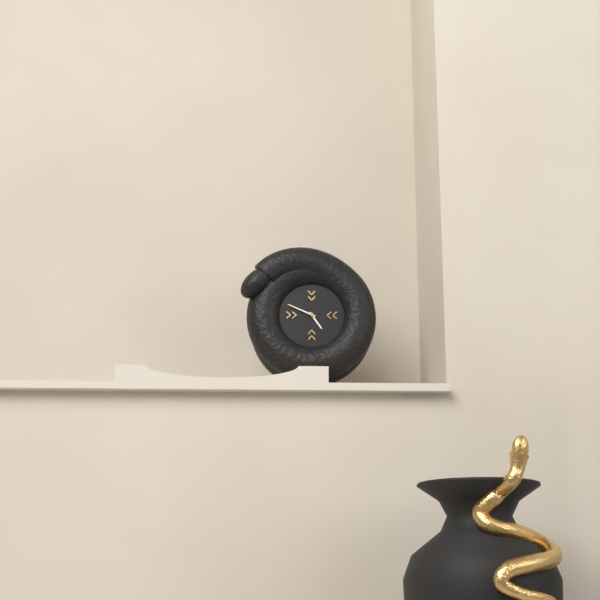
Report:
4:49
